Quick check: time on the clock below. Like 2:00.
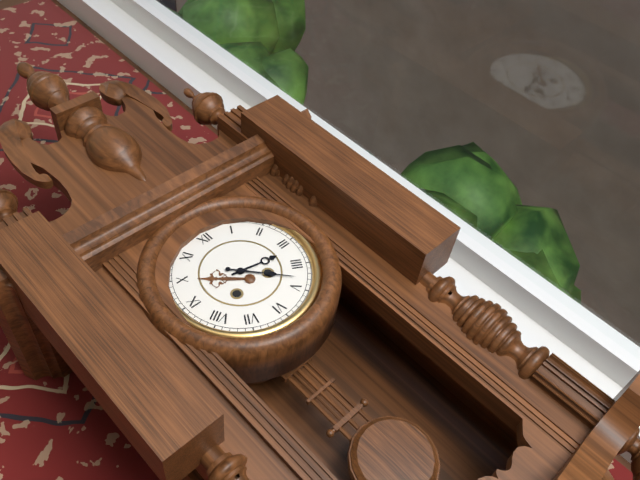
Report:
3:23
